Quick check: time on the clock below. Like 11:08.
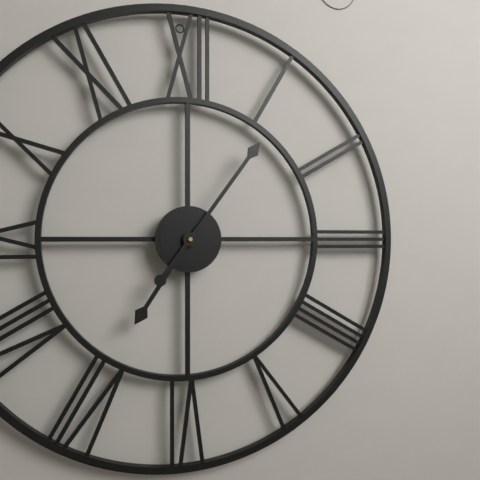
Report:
7:06
